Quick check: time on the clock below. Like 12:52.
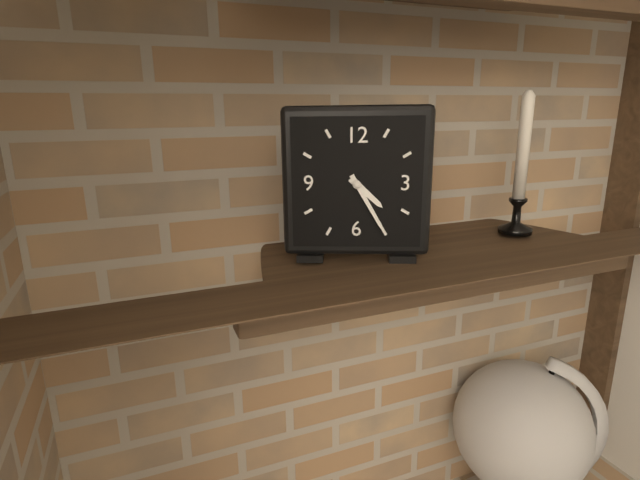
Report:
4:25
